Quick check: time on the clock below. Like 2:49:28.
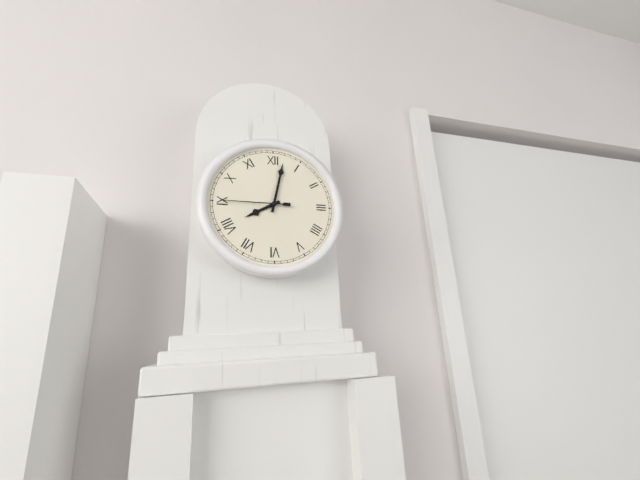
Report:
8:02:45
